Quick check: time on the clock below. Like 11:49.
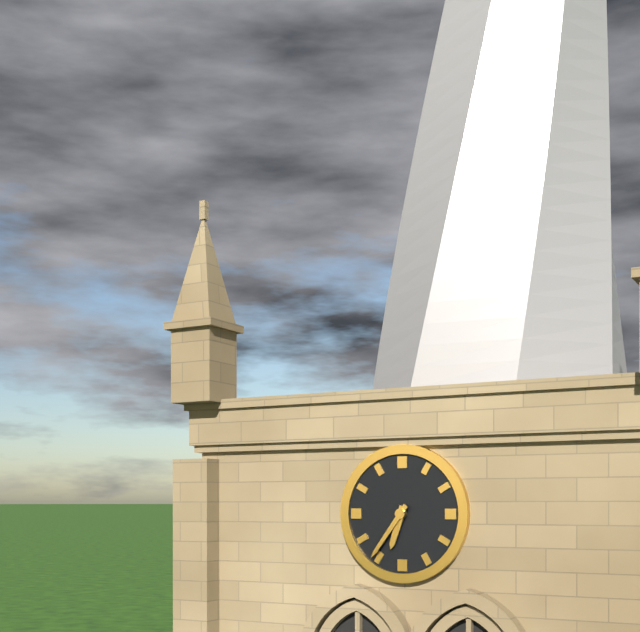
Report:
6:36
